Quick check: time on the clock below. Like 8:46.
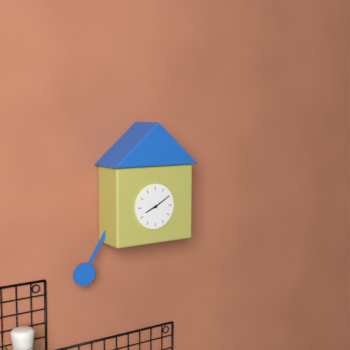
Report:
8:10
